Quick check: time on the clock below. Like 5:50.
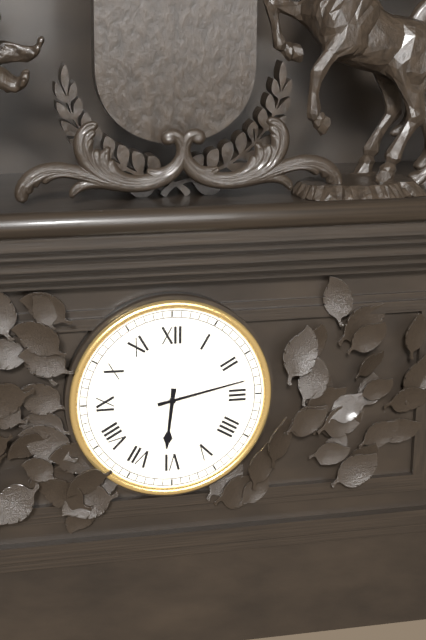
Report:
6:13
